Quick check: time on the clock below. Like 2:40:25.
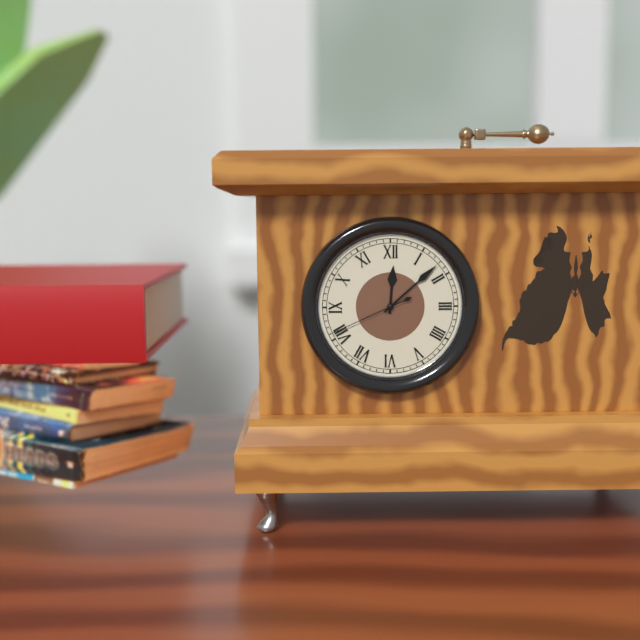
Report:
12:08:41
